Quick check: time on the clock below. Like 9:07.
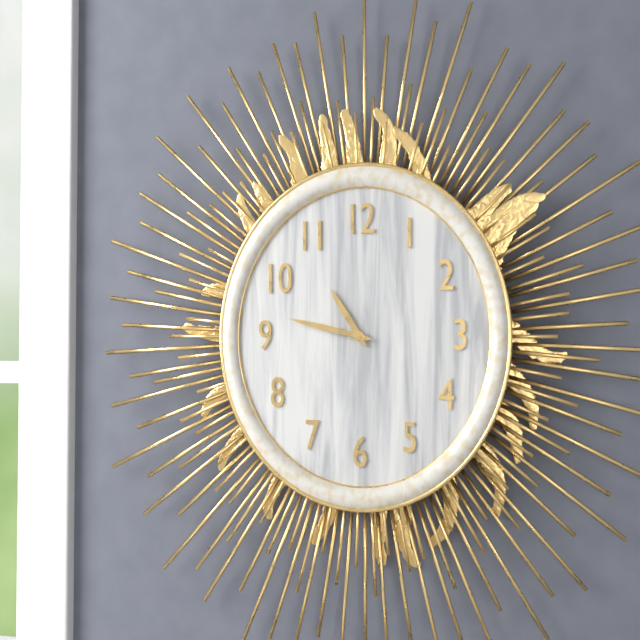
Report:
10:47
